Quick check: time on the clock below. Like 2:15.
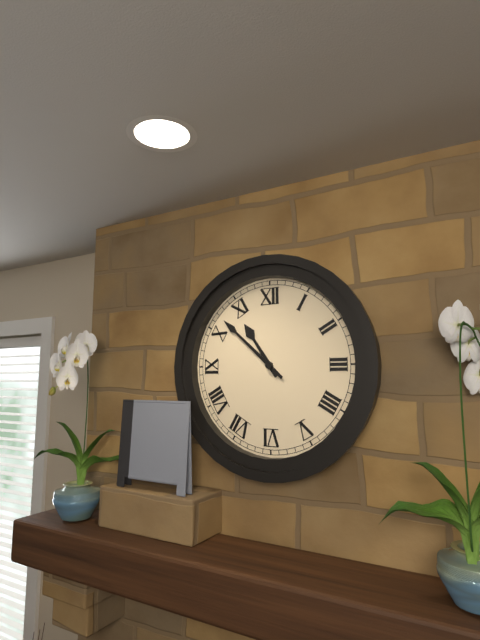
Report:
10:52
